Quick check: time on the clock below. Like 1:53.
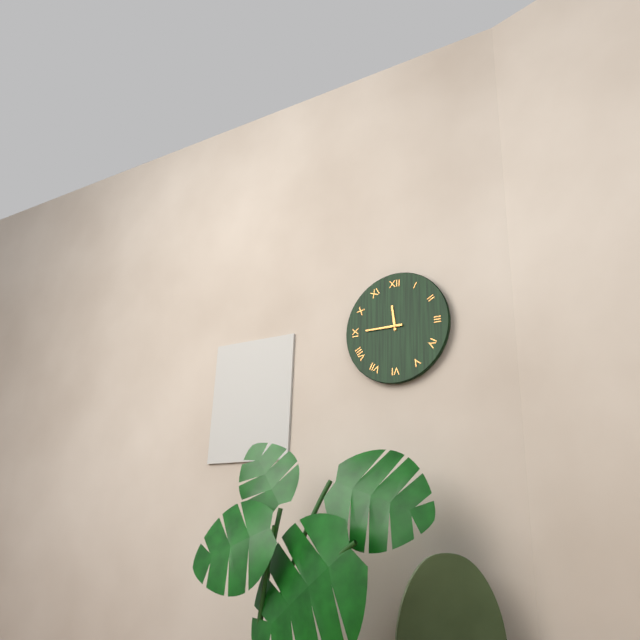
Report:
11:45
